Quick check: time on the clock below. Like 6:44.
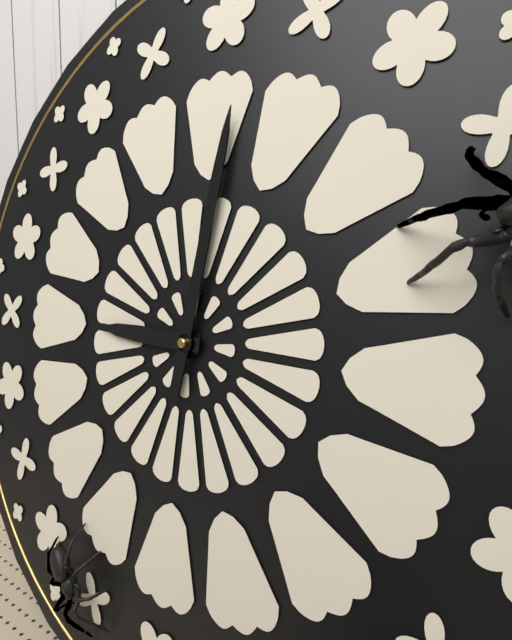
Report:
9:01
